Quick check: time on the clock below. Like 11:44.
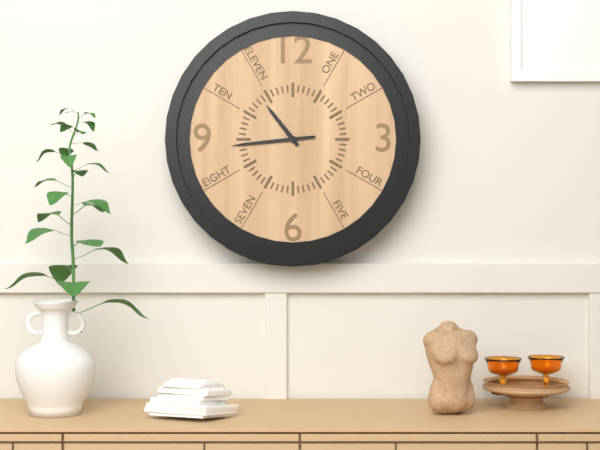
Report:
10:44
